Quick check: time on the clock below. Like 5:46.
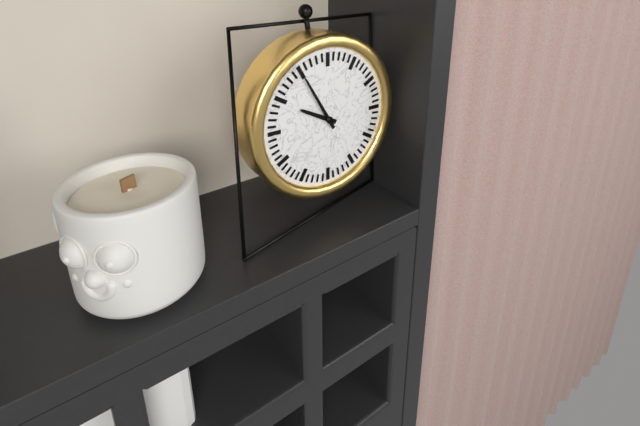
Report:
9:55
